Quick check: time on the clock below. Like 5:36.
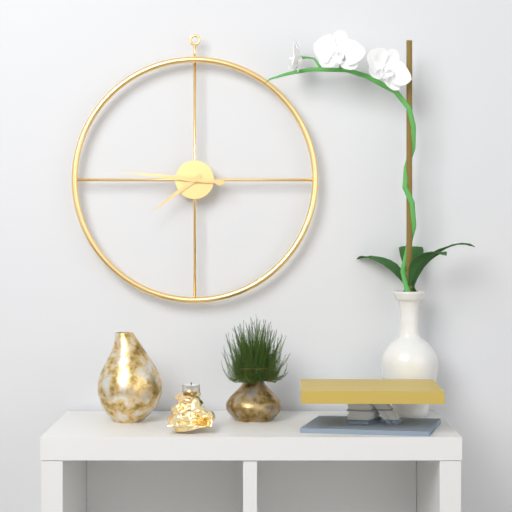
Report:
7:46
